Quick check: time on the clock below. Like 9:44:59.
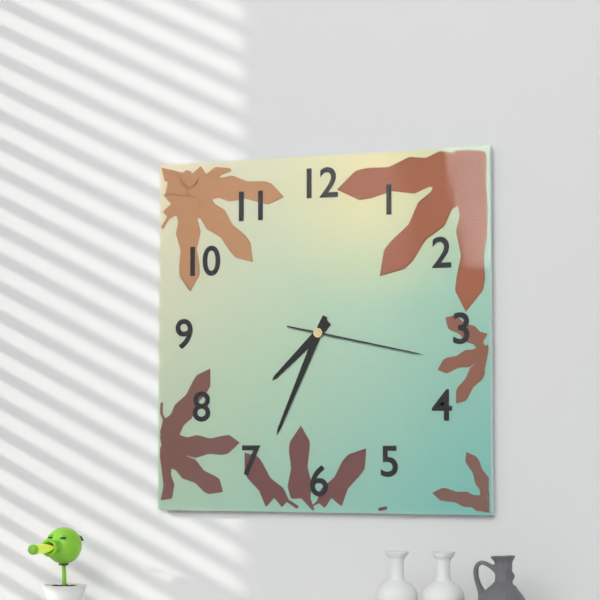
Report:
7:34:17
